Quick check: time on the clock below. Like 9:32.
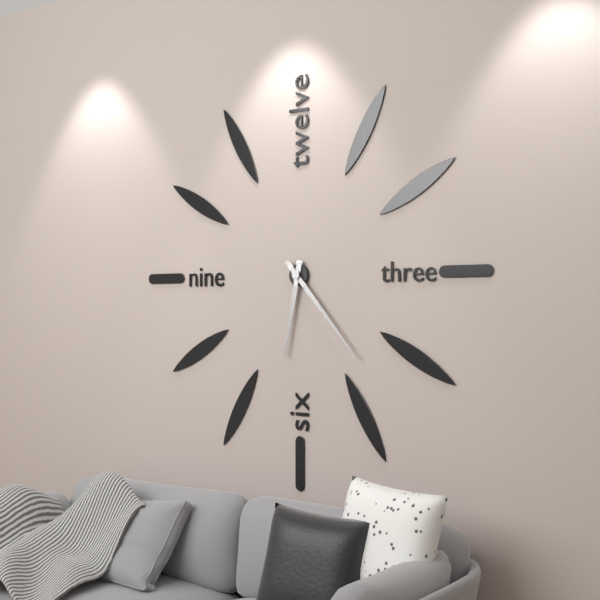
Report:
6:23
